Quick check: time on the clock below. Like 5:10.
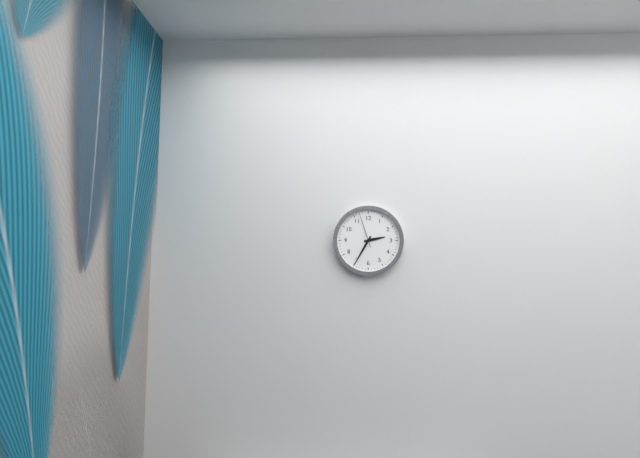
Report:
2:35
